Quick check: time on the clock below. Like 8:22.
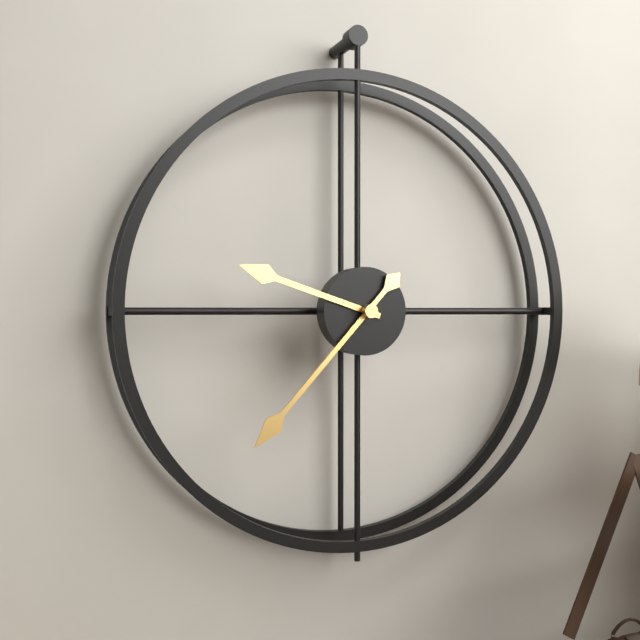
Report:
9:37
